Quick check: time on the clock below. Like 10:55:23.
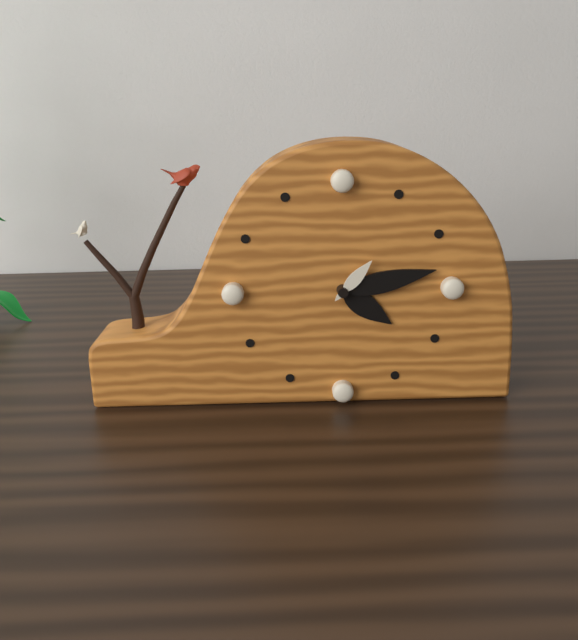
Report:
4:13:07
